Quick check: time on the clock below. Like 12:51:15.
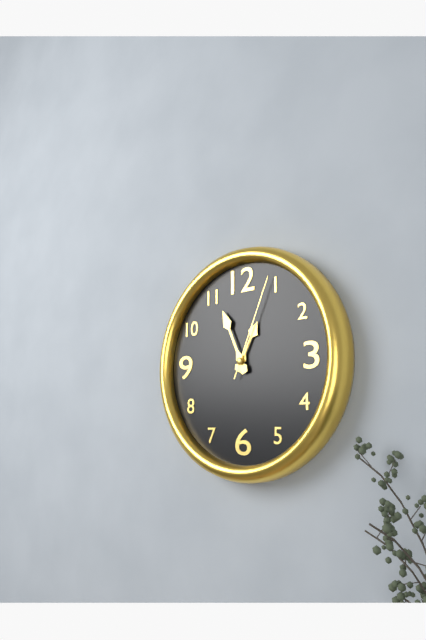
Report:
12:56:04
